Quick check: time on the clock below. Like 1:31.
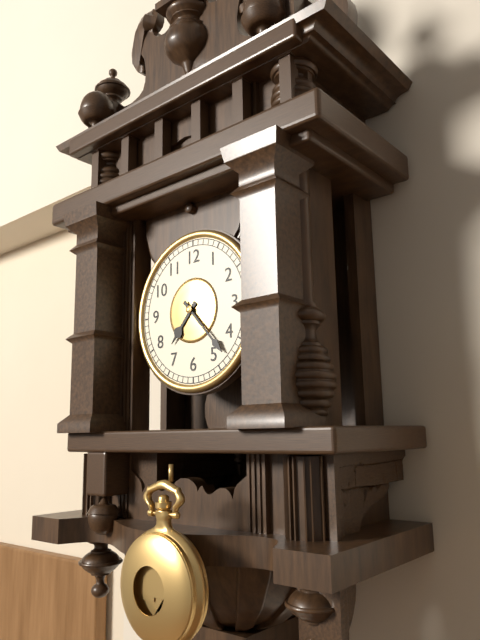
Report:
7:23
